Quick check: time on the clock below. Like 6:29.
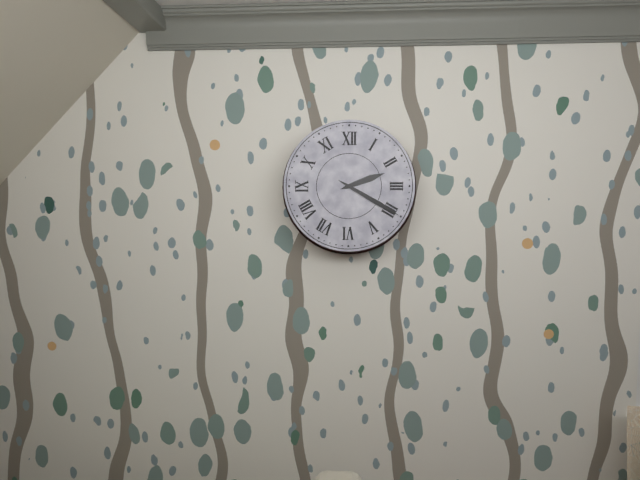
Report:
2:20
